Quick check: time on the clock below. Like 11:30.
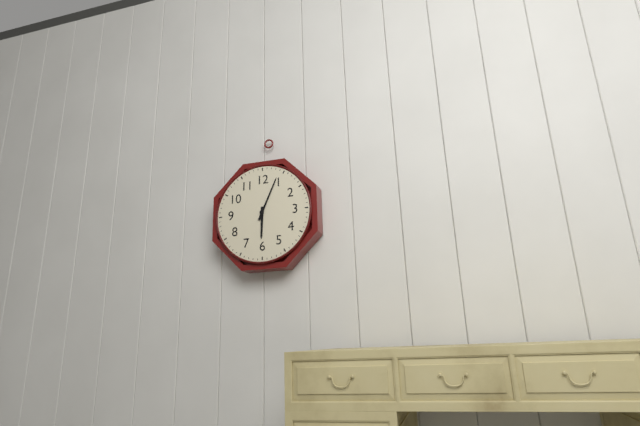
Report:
6:04
